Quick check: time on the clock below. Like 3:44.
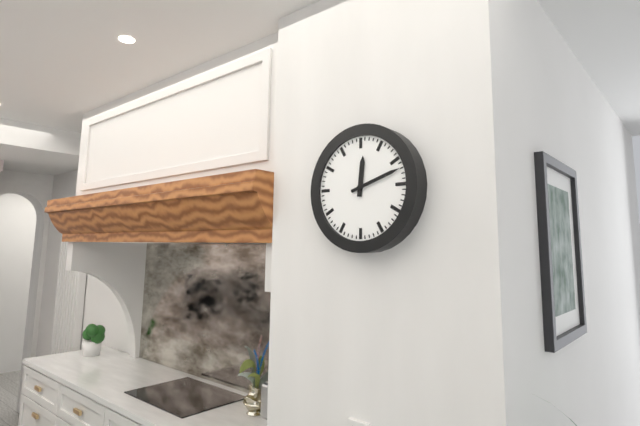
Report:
12:12
